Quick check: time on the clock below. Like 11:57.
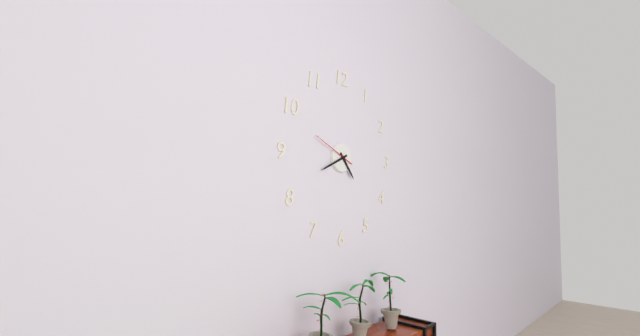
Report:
4:41
